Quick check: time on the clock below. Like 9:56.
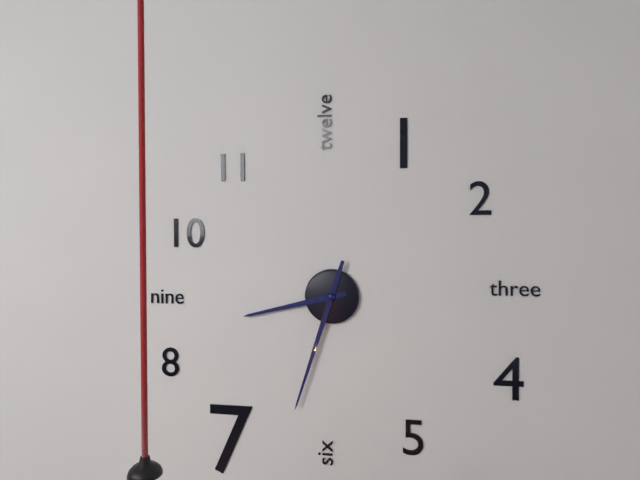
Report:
8:33
